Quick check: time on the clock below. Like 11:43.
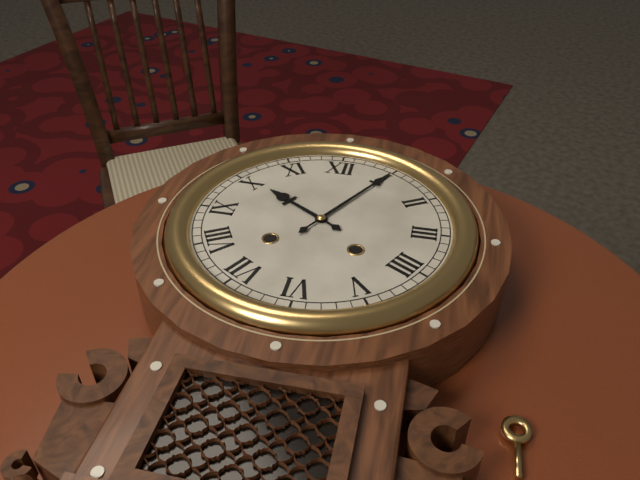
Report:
10:05
